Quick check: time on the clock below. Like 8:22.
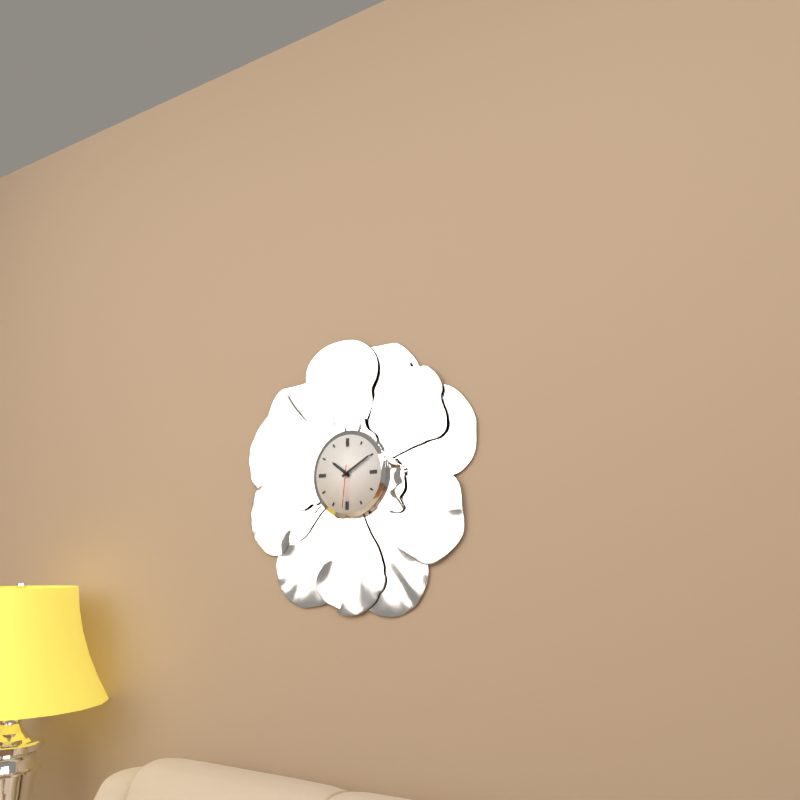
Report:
10:10
